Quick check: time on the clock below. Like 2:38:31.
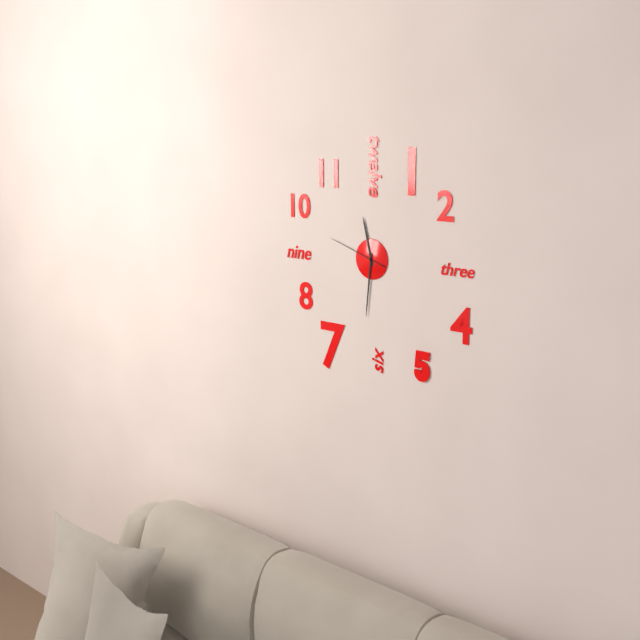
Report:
11:31:48
